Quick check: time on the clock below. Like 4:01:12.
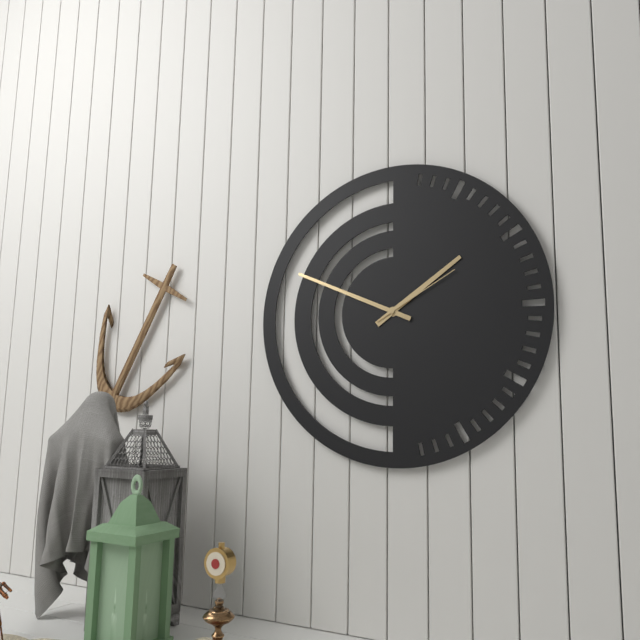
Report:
1:49:10
